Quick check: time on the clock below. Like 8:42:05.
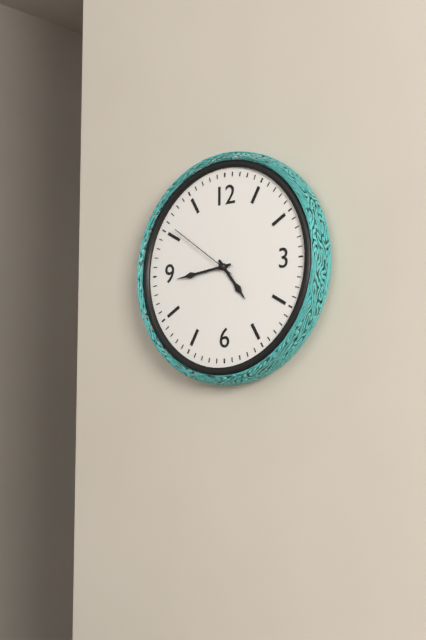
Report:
4:44:51
